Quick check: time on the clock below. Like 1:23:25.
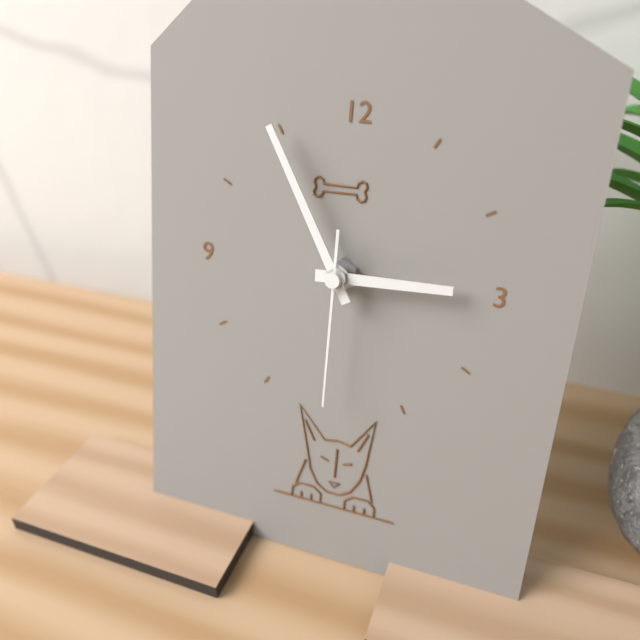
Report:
2:55:30
